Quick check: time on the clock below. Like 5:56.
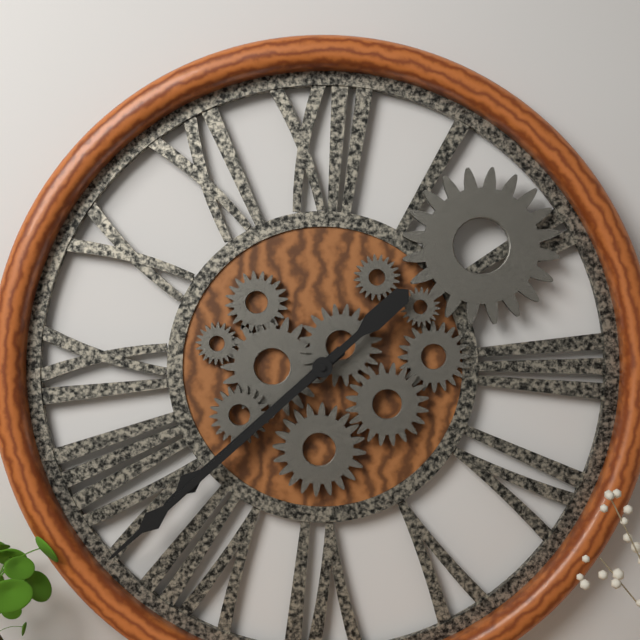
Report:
7:38
